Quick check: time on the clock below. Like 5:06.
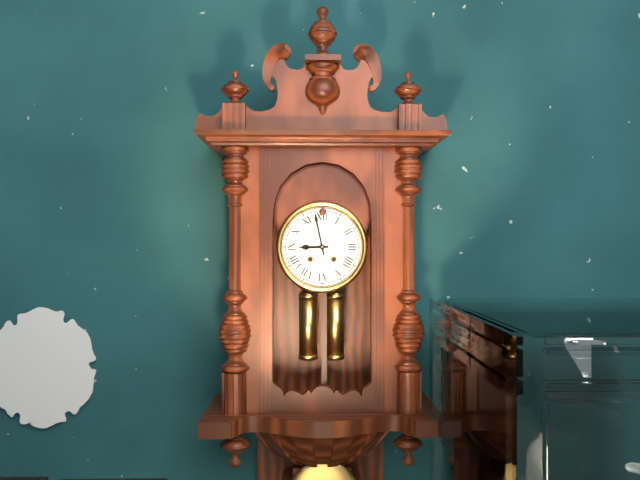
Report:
8:58
